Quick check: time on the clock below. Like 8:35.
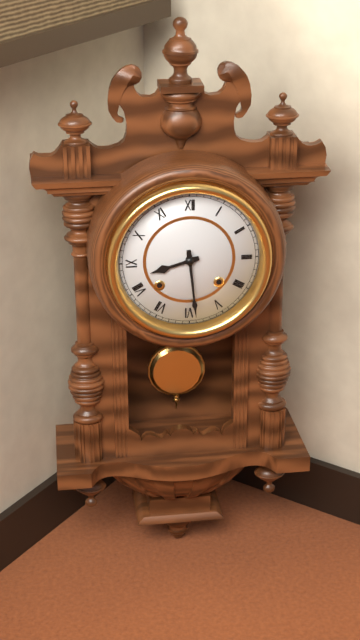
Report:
8:29
